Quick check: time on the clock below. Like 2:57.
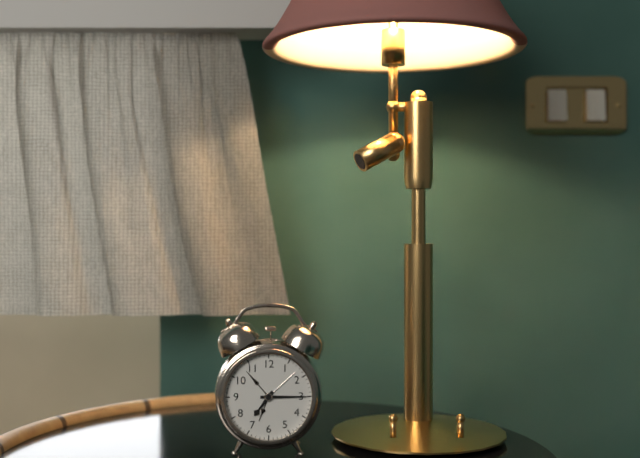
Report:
7:15
